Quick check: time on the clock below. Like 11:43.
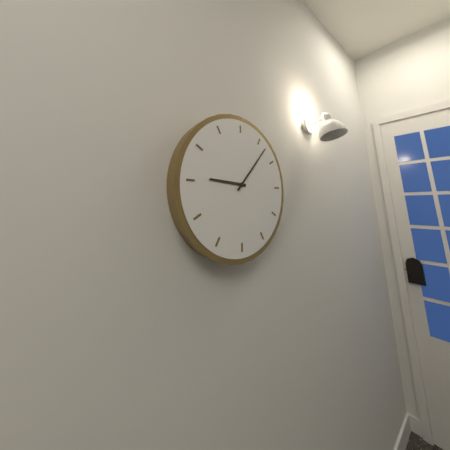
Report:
9:07
